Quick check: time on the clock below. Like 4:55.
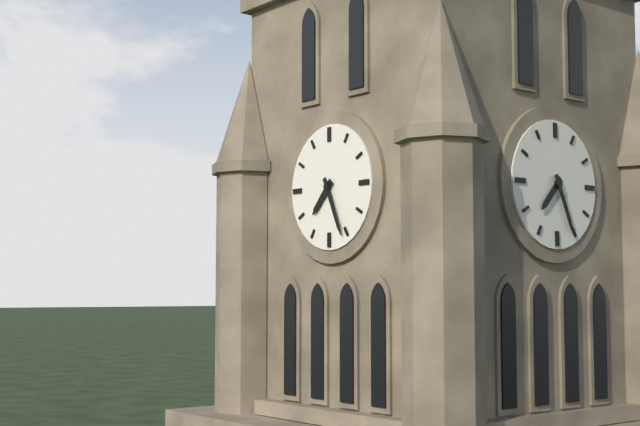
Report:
7:26
